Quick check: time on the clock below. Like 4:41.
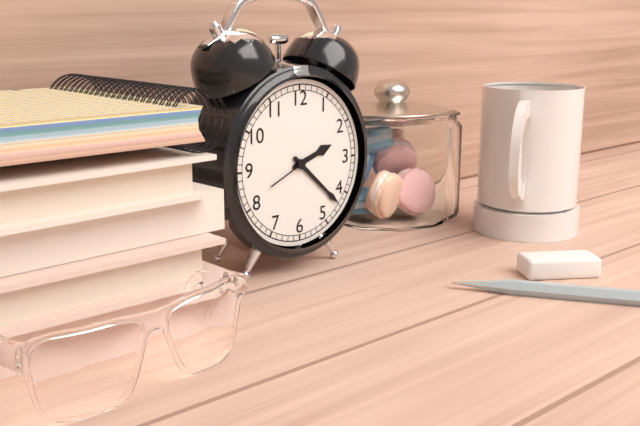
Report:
2:22
